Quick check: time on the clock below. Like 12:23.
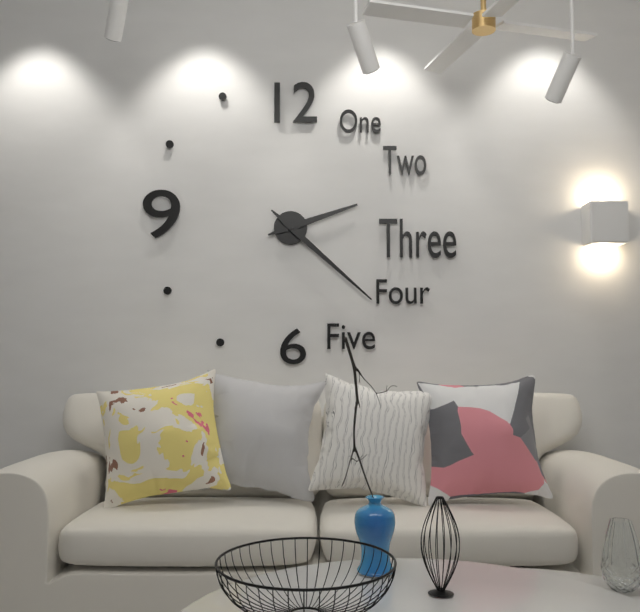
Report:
2:22
